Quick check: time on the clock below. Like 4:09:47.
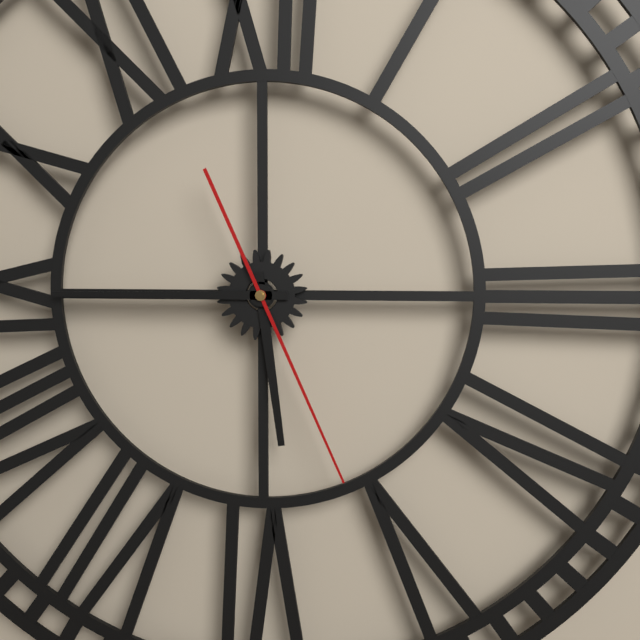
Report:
5:45:26
